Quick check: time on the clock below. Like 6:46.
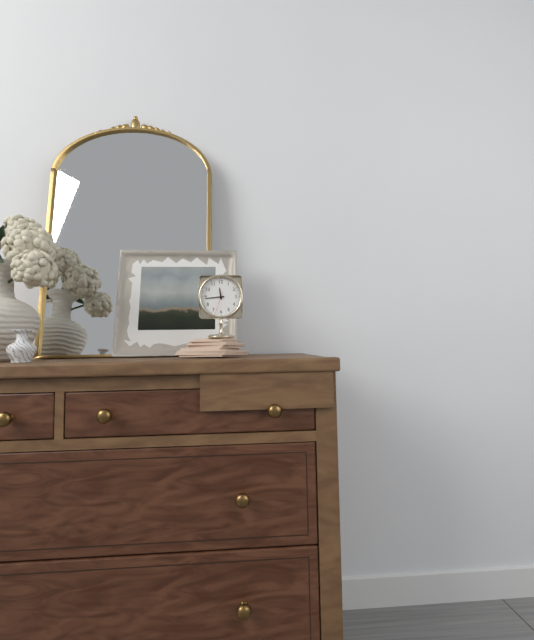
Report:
11:44
